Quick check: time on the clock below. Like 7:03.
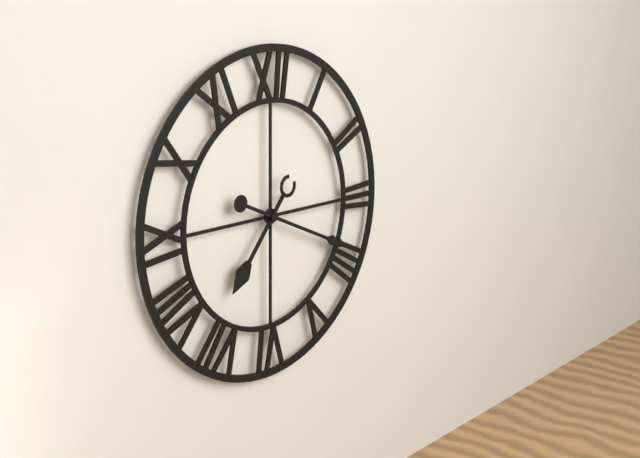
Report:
7:19
